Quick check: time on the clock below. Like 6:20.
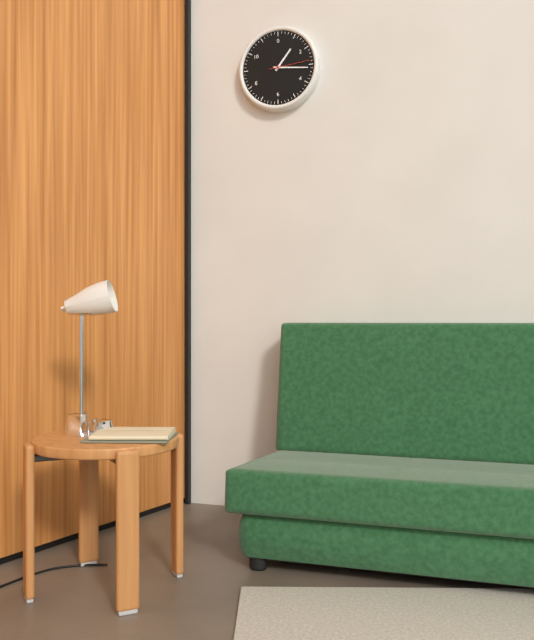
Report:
1:16
